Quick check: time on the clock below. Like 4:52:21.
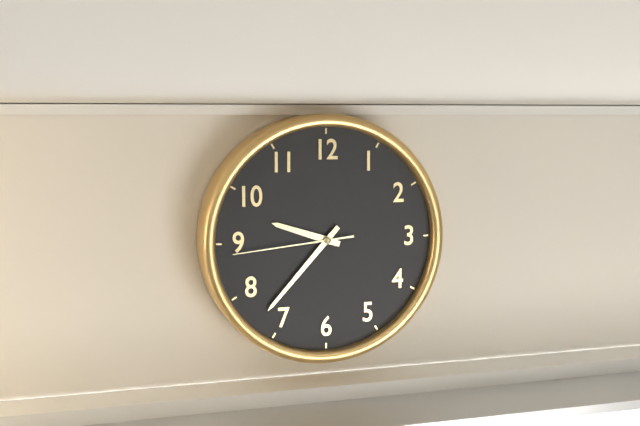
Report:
9:37:44
